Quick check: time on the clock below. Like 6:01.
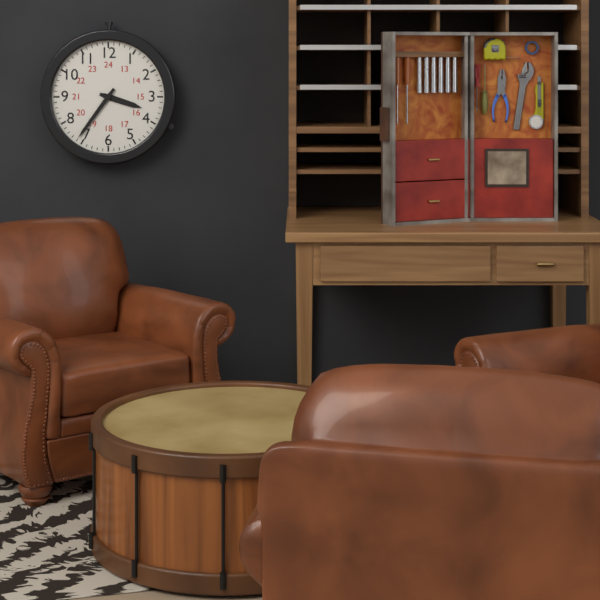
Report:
3:36
